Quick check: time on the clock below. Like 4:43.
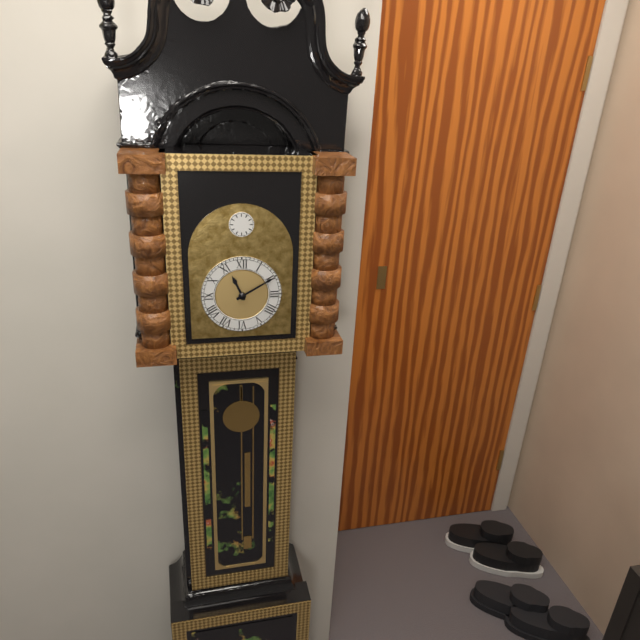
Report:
11:10
